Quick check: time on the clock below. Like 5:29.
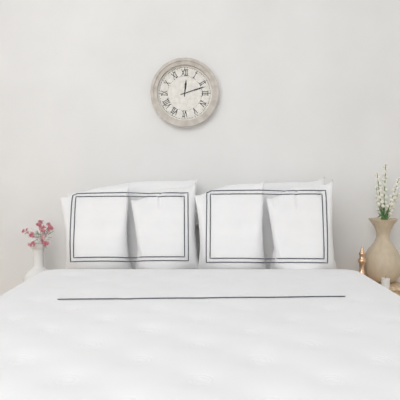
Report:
12:12
